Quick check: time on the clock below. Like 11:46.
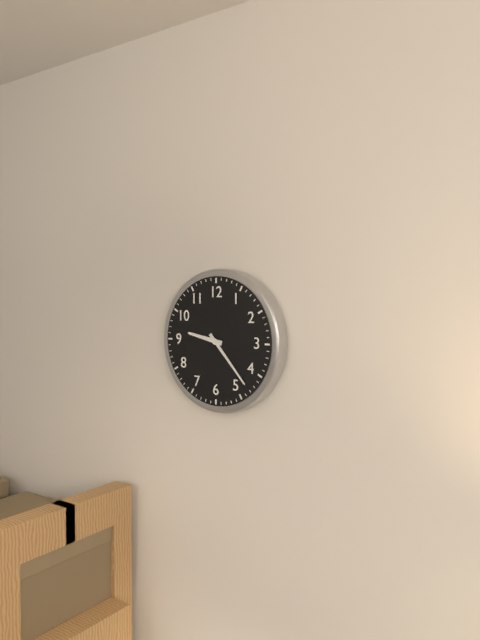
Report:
9:23
